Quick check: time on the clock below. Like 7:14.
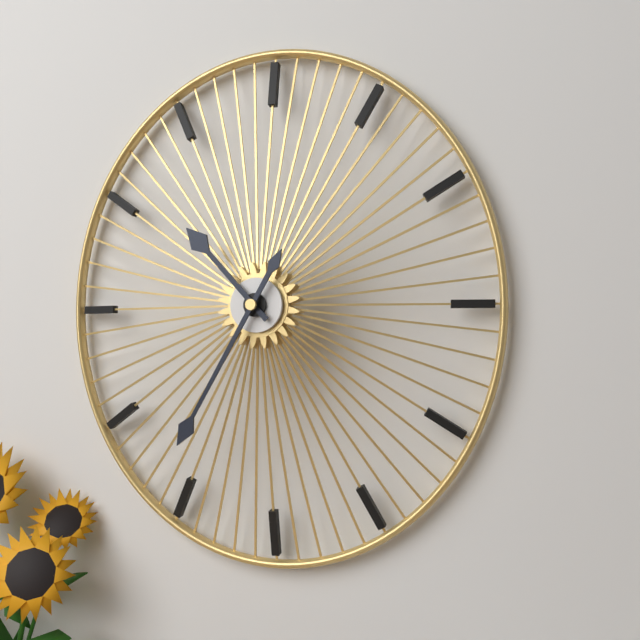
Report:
10:35
